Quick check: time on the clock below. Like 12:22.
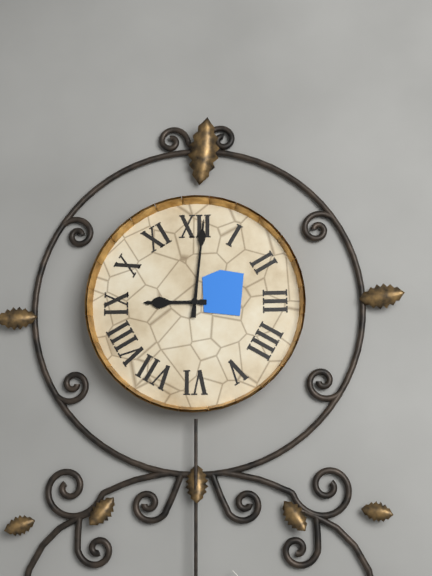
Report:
9:01
